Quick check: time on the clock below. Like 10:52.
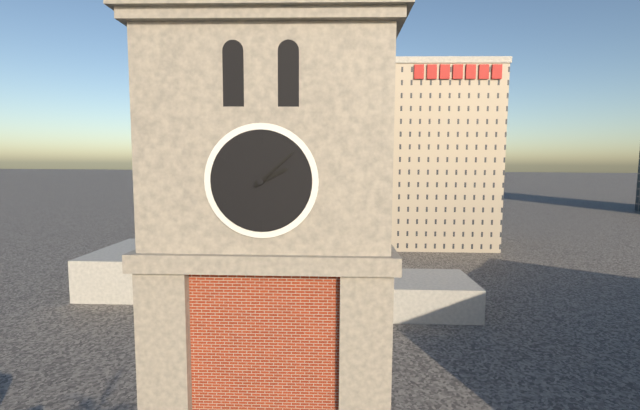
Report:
2:08
